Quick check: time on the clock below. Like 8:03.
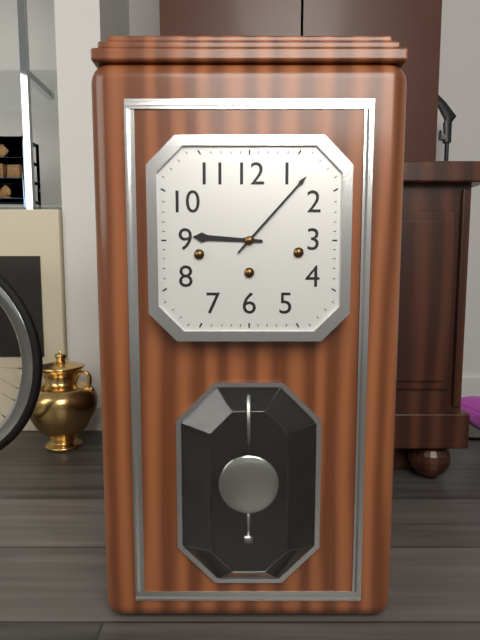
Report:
9:07
